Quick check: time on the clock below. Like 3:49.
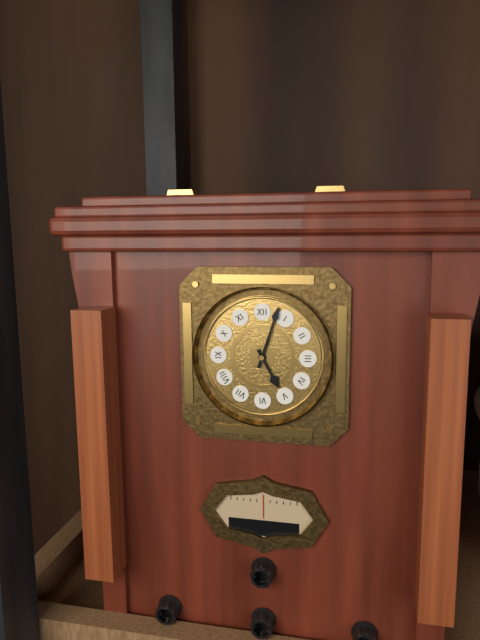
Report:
5:03
